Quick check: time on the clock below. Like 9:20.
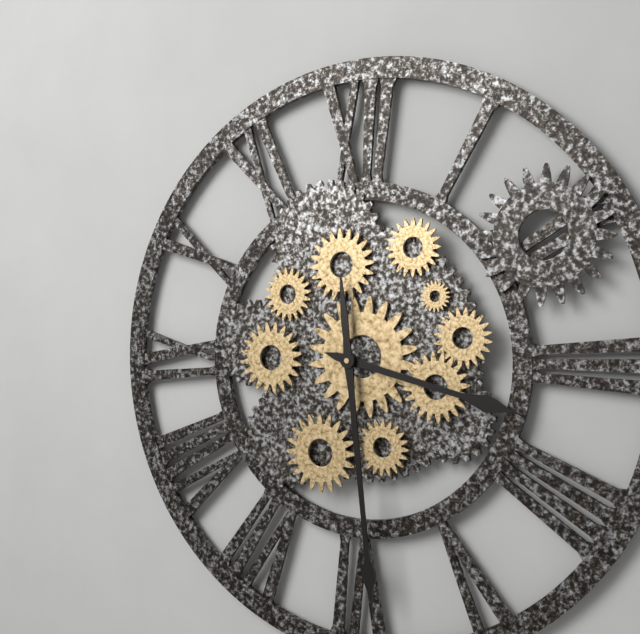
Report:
3:29
